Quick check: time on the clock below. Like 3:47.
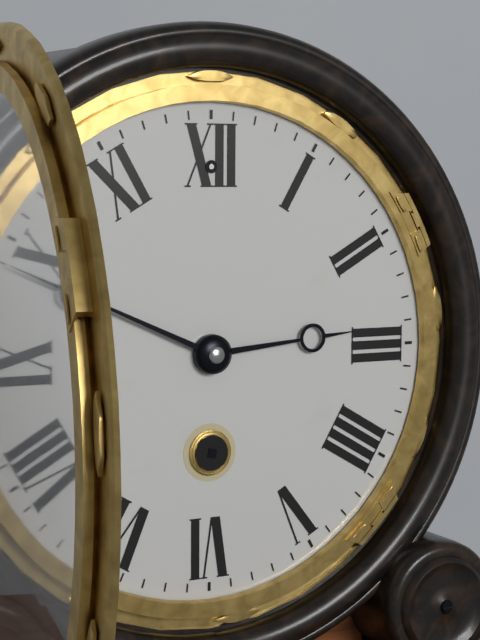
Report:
2:49
